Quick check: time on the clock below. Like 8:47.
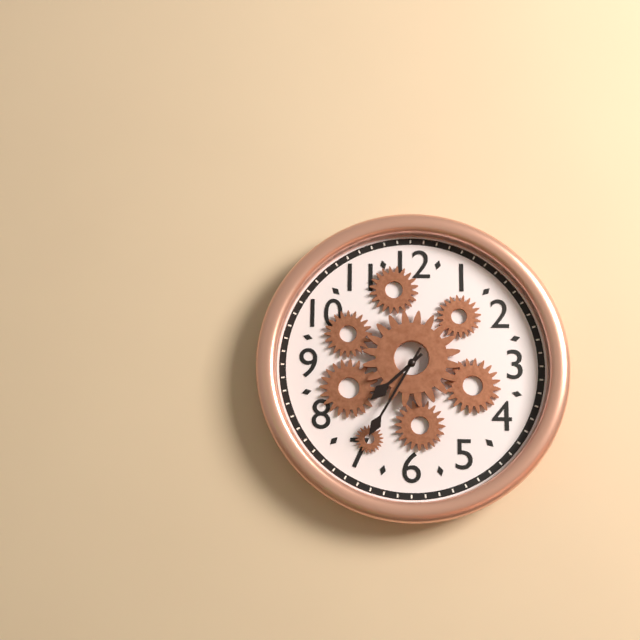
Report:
7:35
